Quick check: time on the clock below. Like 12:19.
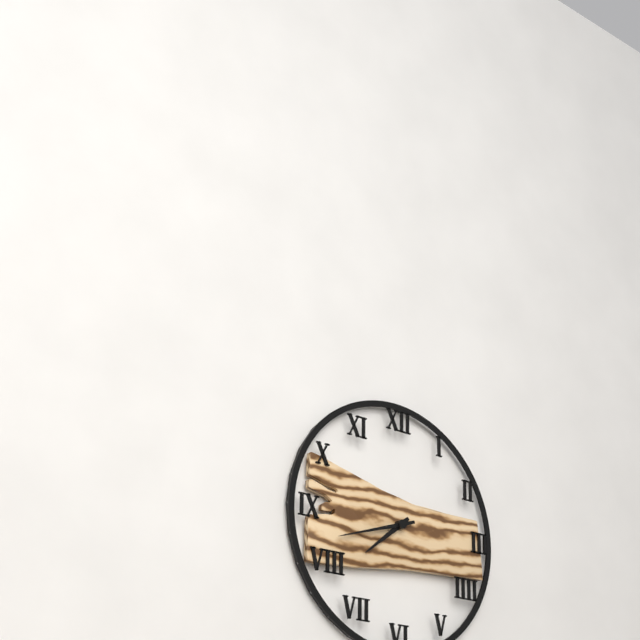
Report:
7:42
